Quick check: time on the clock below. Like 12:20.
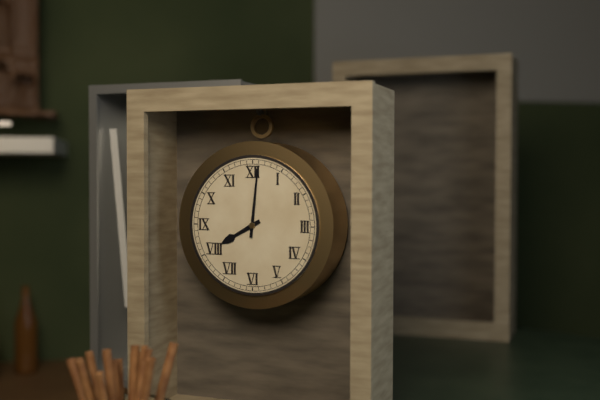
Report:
8:01
